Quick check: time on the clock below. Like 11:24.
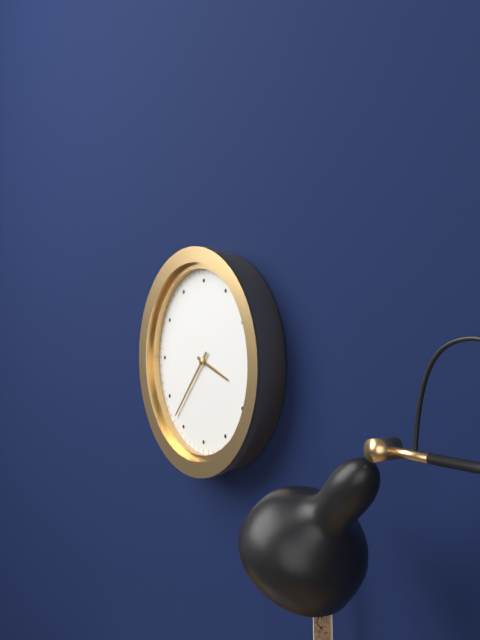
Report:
3:37
